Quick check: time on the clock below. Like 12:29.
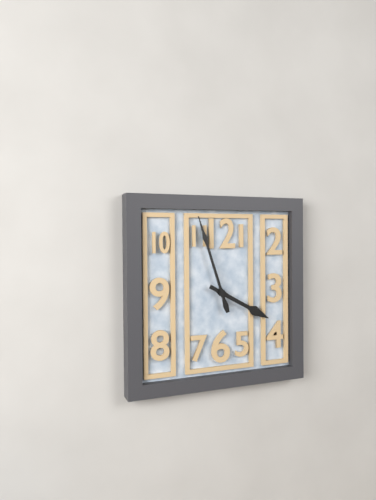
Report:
3:57
